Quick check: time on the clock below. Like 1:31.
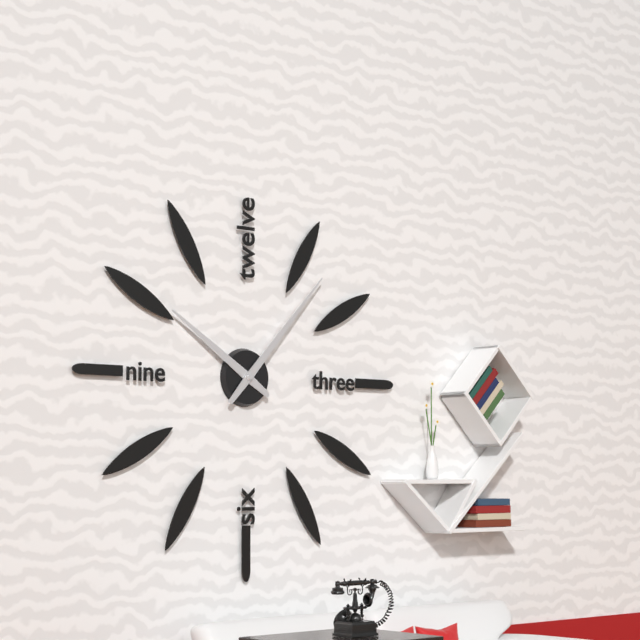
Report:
10:07
